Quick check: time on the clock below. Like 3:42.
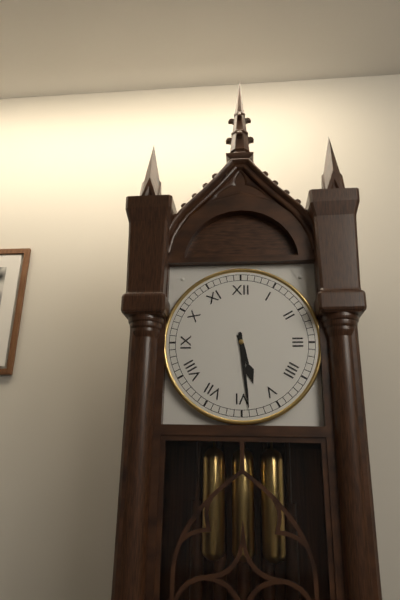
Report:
5:29
